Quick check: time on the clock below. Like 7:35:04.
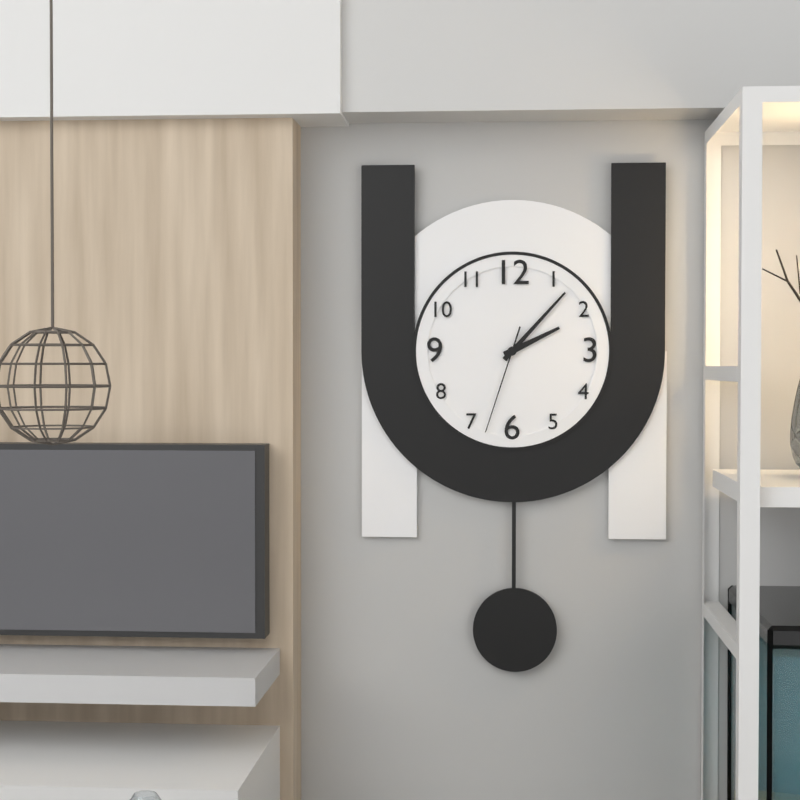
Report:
2:07:33
